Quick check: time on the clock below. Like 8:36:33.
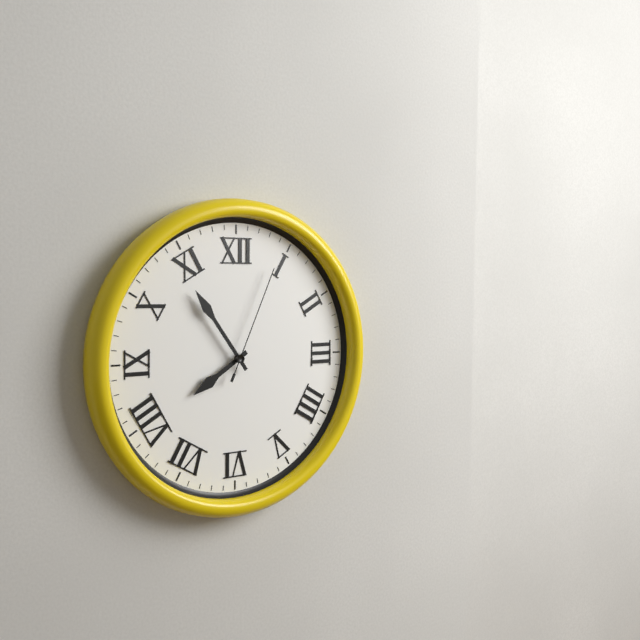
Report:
7:54:04
